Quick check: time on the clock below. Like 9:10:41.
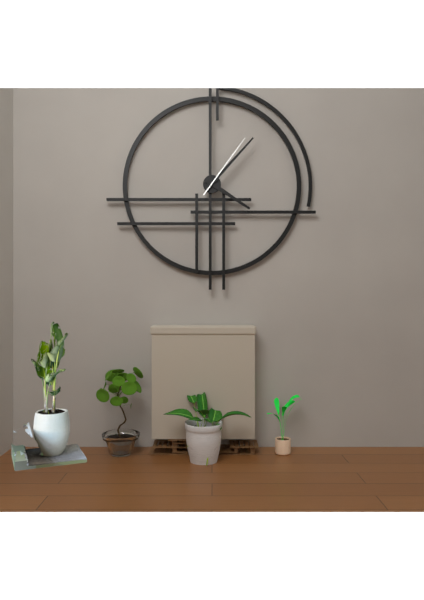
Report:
4:07:06
